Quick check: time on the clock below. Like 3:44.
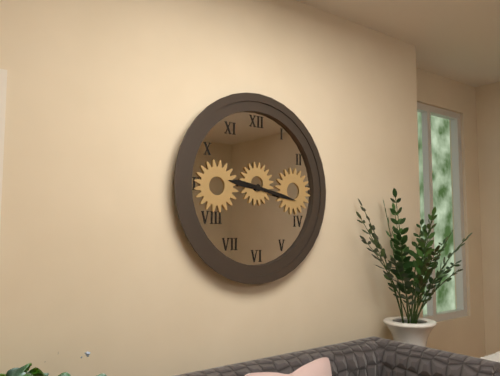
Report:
9:17
